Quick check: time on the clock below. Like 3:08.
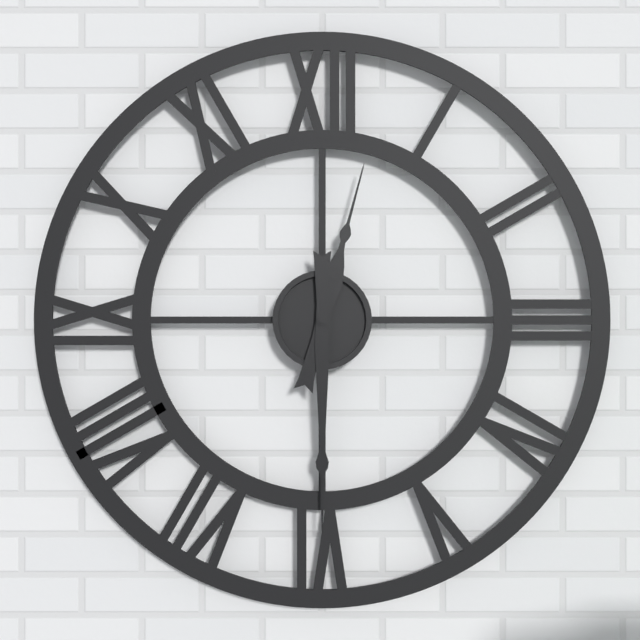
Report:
12:30
